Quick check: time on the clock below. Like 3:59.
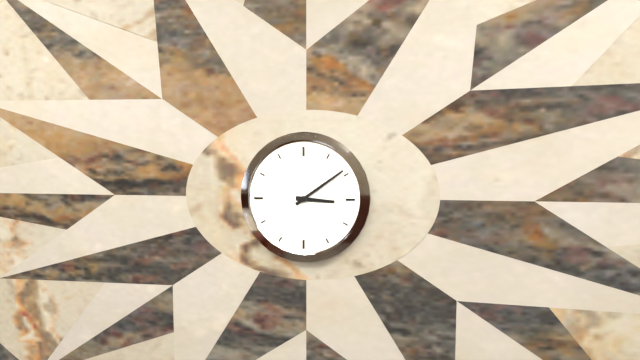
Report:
3:09
